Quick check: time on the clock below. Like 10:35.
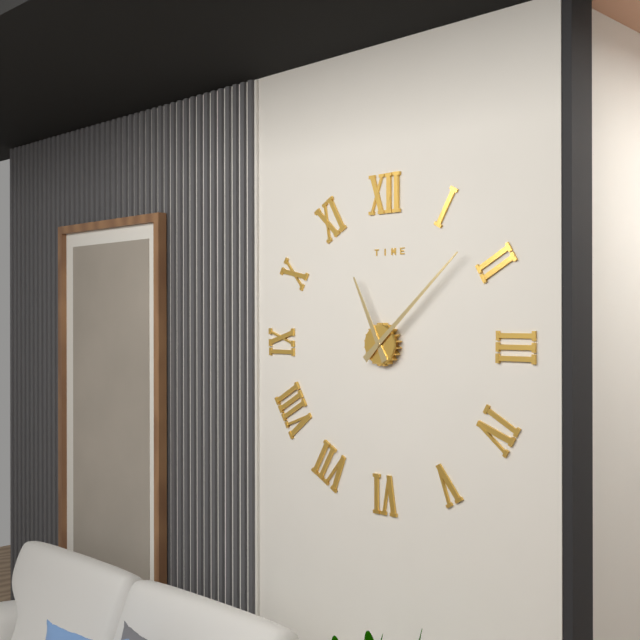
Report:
11:08
